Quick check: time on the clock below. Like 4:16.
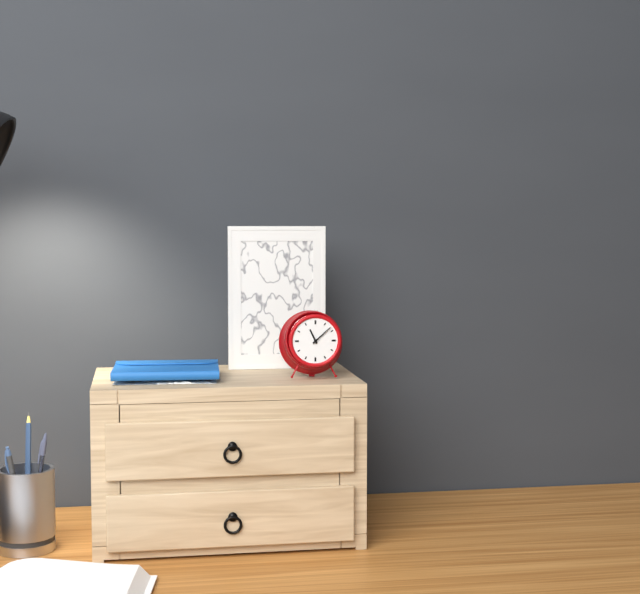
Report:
11:08
